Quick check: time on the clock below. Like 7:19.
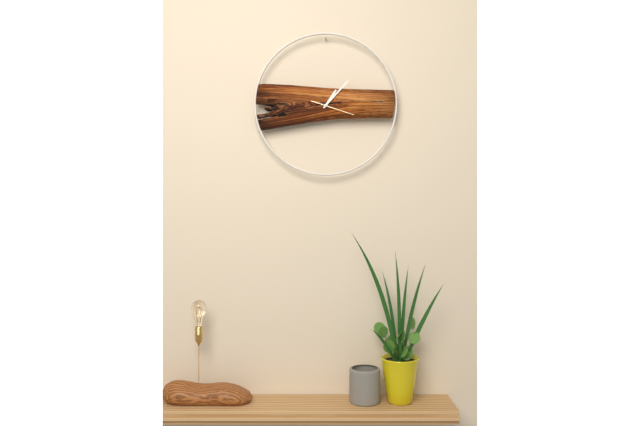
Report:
1:07
